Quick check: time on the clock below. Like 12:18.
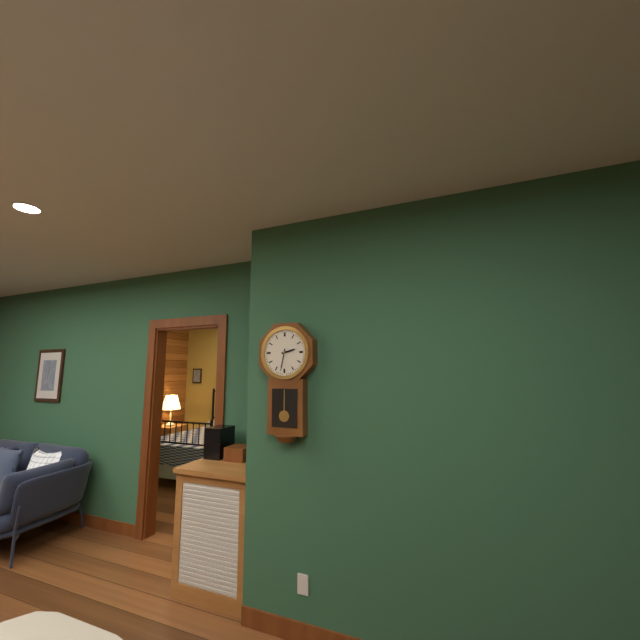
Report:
2:32
